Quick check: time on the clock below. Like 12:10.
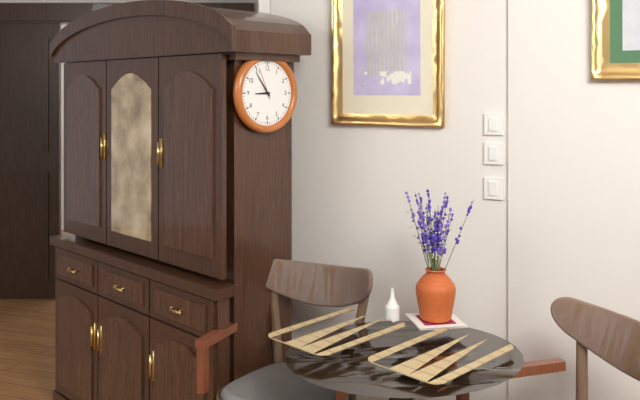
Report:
8:54
